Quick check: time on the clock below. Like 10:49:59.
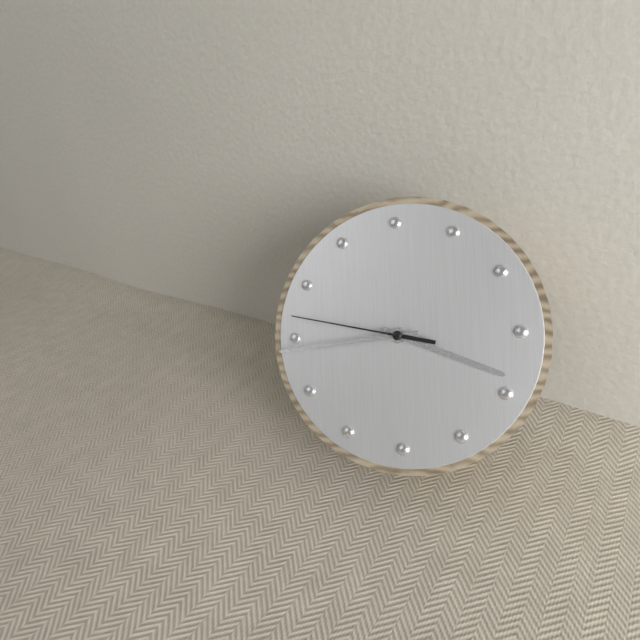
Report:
3:44:47
